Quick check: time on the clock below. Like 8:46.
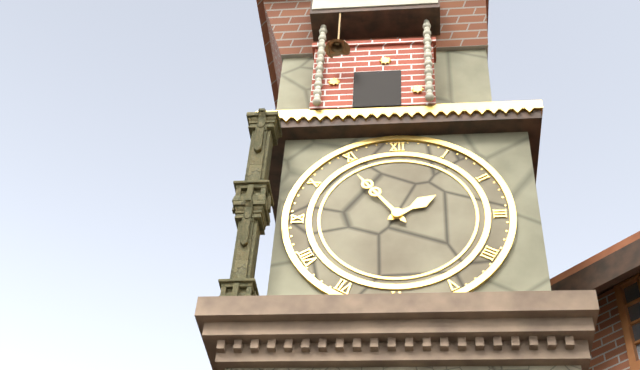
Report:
1:54
